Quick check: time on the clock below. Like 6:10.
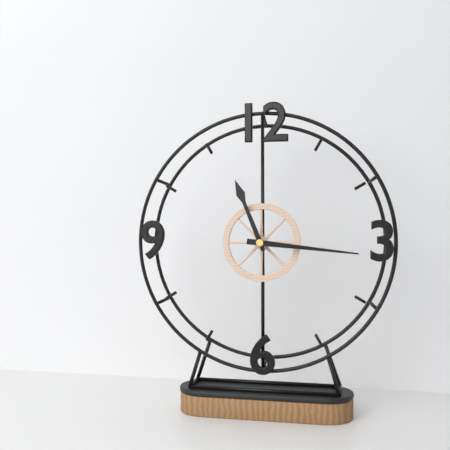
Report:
11:16
